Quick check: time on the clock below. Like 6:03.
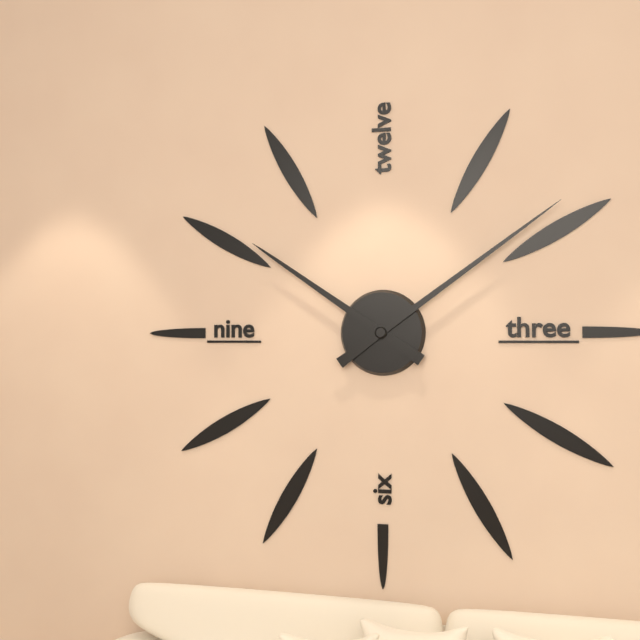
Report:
10:09
